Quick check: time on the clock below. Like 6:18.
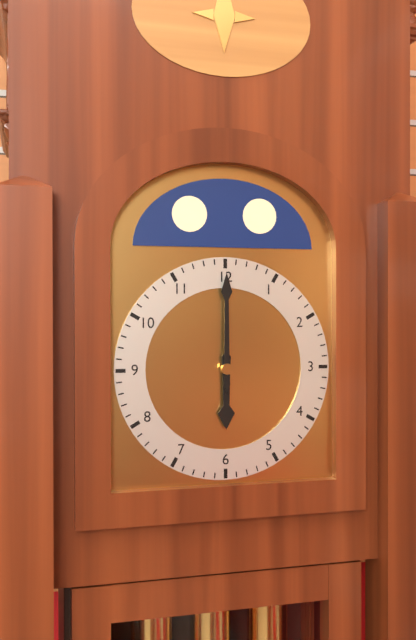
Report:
6:00
